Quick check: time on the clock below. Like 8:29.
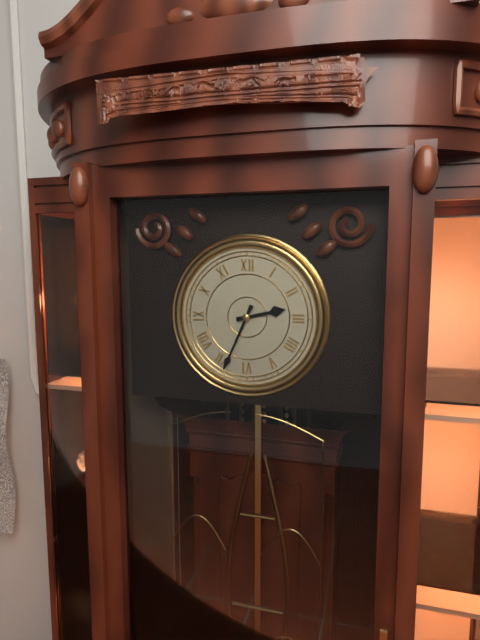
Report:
2:34
